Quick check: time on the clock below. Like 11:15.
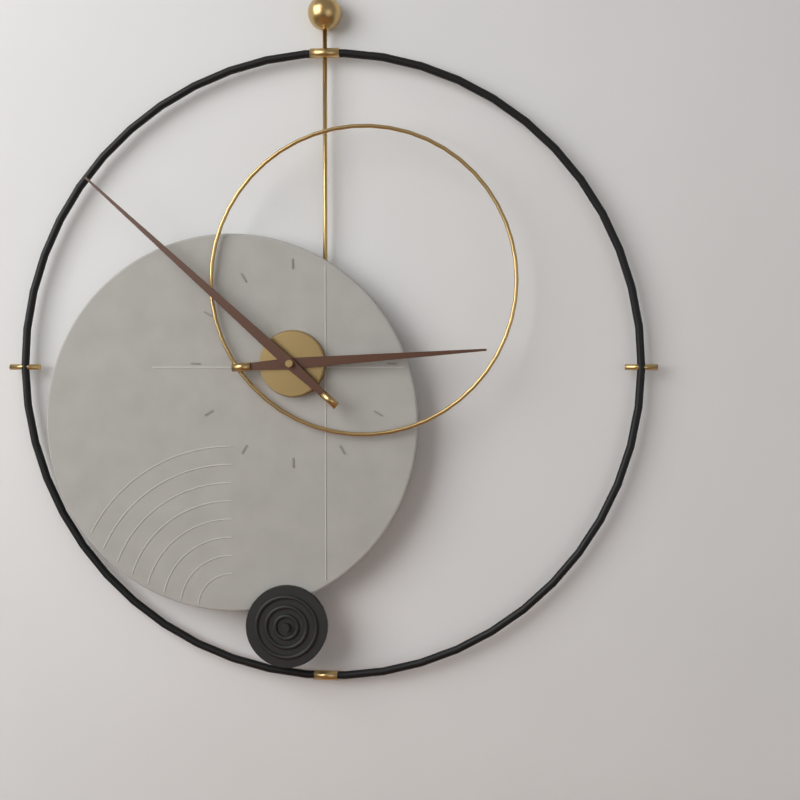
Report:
2:52
